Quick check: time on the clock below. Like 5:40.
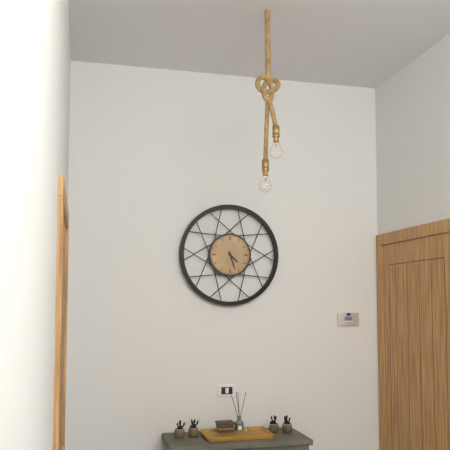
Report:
4:27
